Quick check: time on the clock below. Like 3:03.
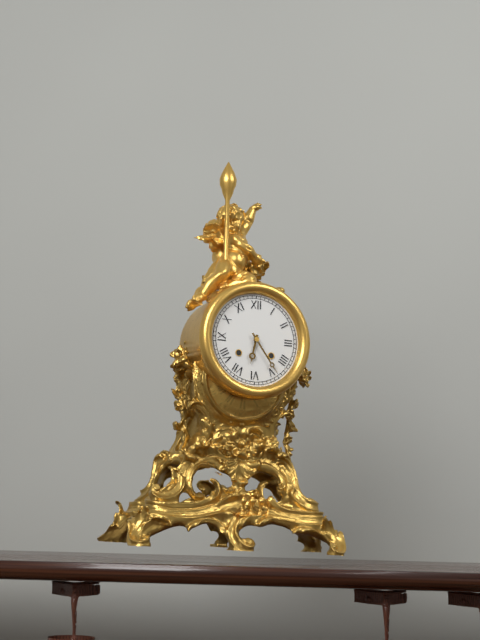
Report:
6:24
